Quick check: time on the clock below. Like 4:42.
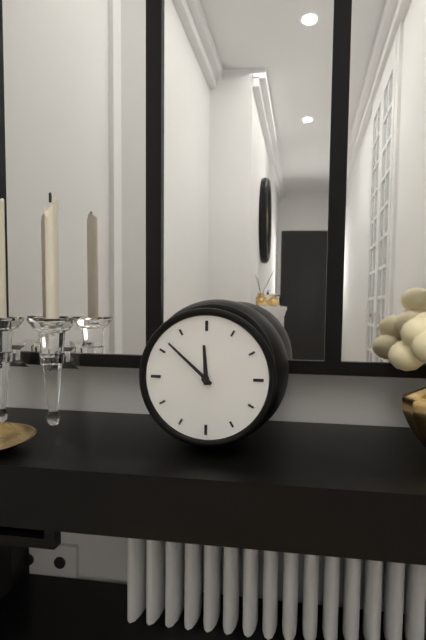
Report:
11:52
